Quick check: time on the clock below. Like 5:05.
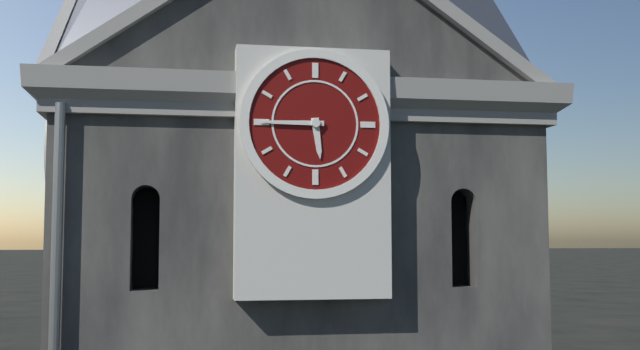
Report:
5:45
